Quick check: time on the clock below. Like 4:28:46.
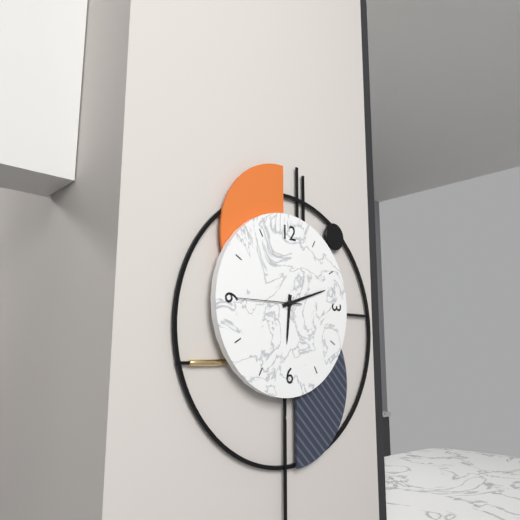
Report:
6:12:45
